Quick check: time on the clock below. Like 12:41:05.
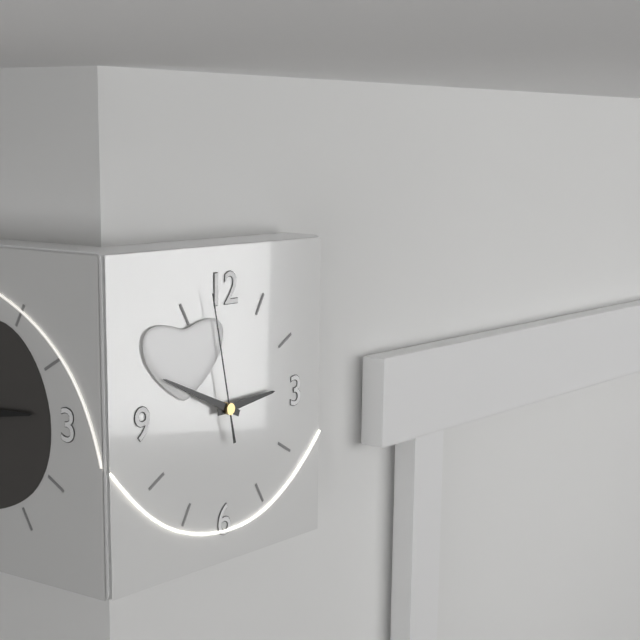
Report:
2:49:58
